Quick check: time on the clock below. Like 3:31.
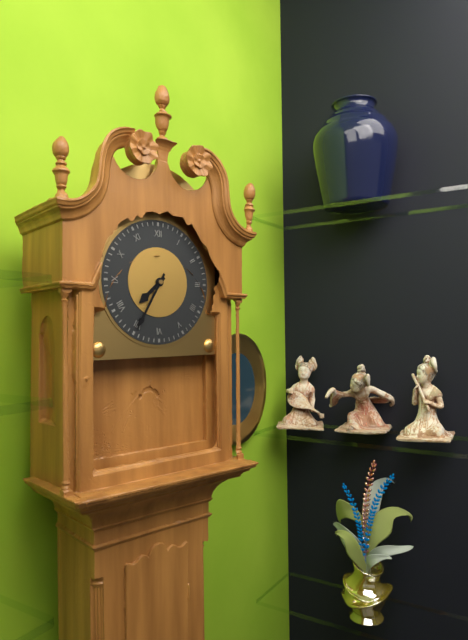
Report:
7:35
